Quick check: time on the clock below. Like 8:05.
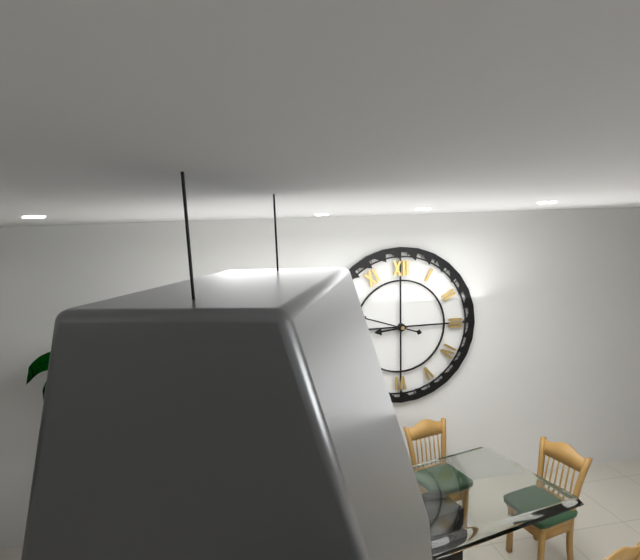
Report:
8:48
